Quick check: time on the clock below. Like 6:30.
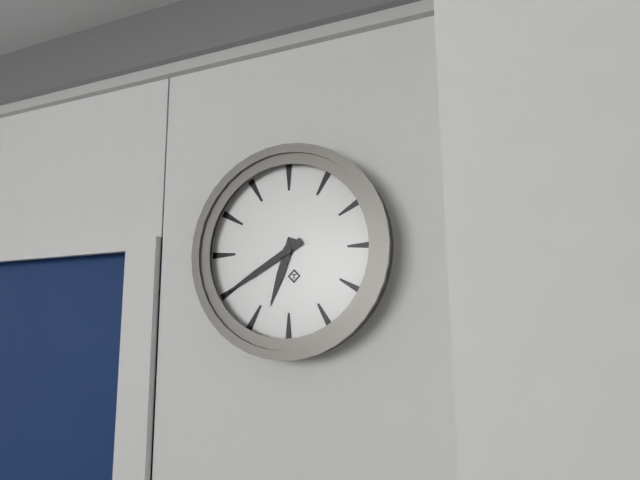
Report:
6:40
